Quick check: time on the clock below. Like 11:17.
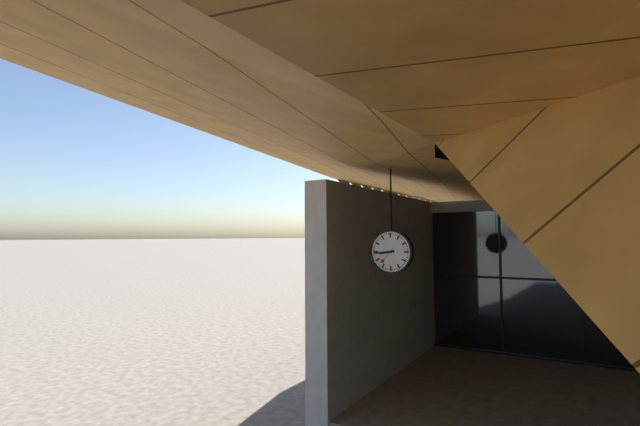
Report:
8:44
